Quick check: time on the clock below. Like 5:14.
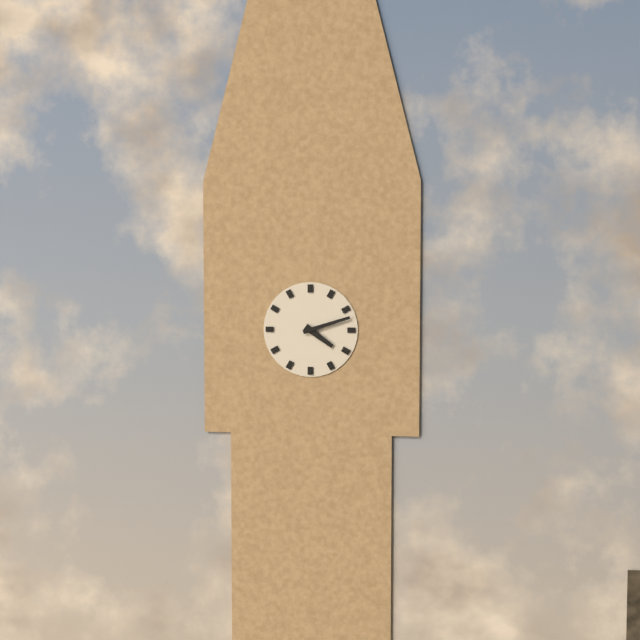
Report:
4:12
